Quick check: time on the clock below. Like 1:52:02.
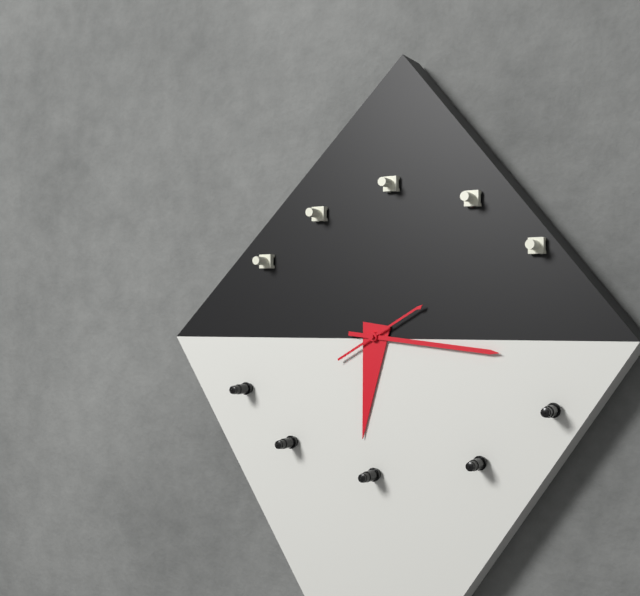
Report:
6:16:10
